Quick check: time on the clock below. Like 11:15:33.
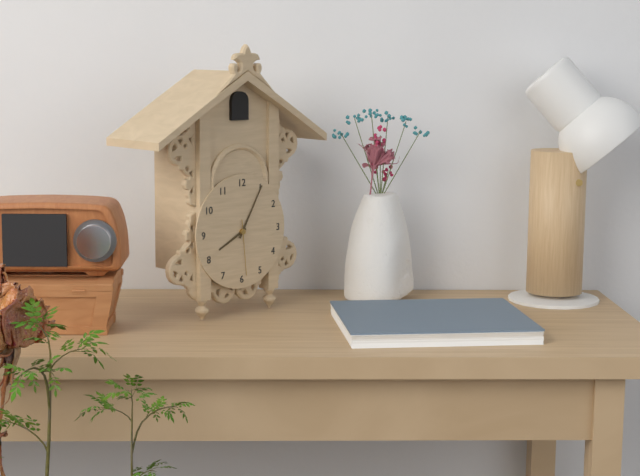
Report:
8:05:29
